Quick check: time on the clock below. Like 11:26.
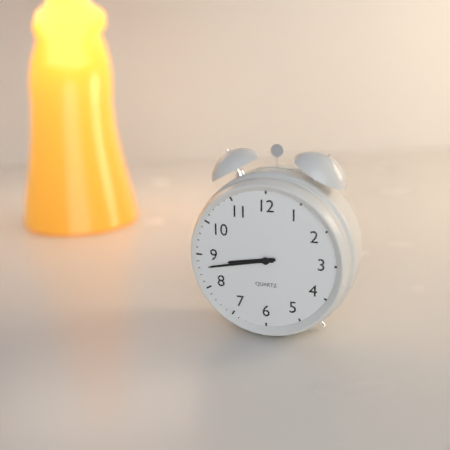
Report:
8:43
